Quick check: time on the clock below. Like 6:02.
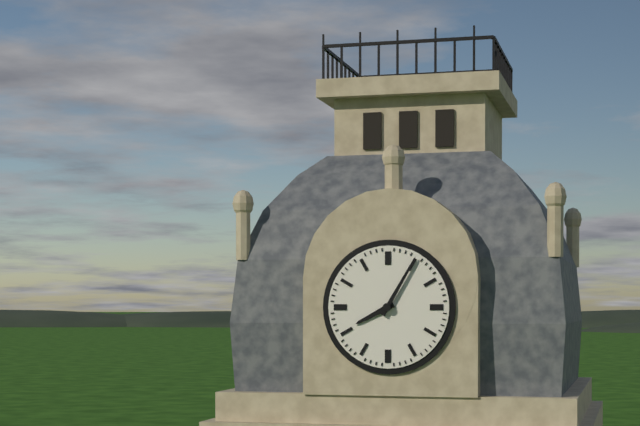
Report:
8:05
